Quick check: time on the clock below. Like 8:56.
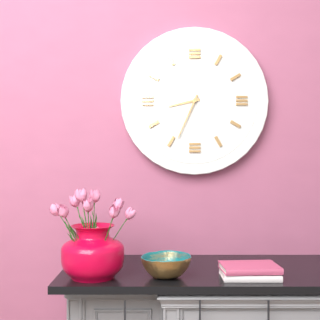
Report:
8:34
